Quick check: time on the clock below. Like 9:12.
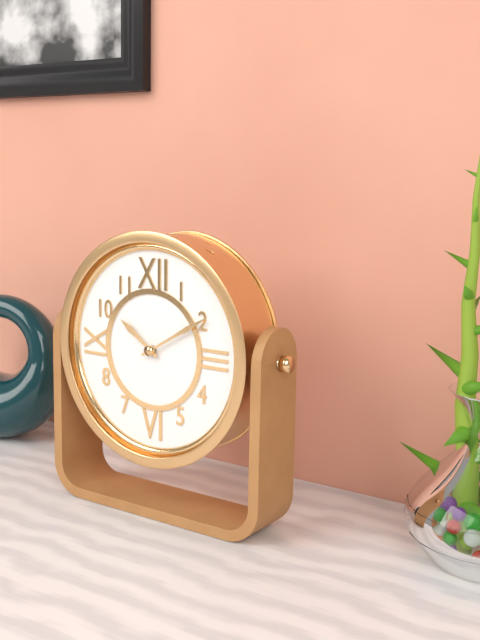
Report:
10:10
